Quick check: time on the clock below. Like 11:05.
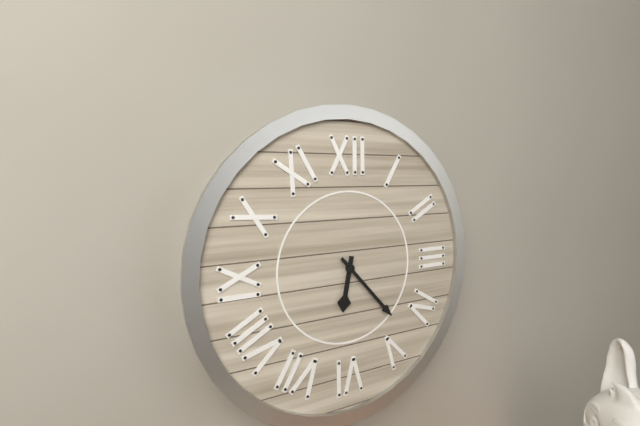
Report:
6:23
